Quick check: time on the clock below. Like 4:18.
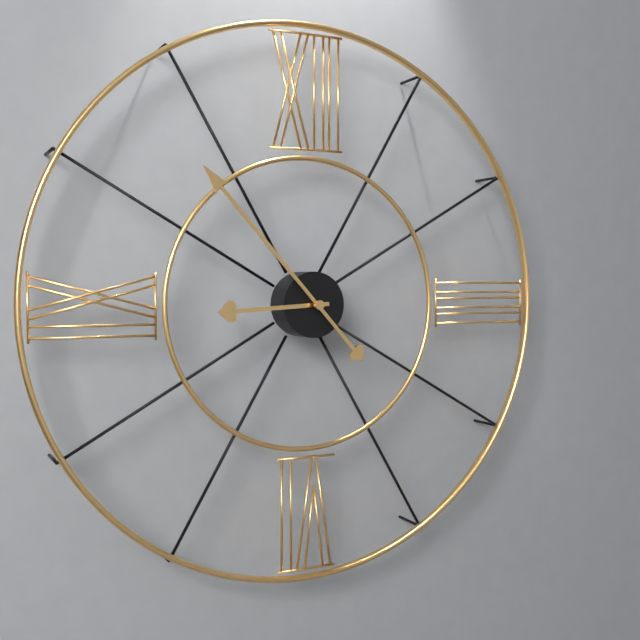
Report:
8:53
